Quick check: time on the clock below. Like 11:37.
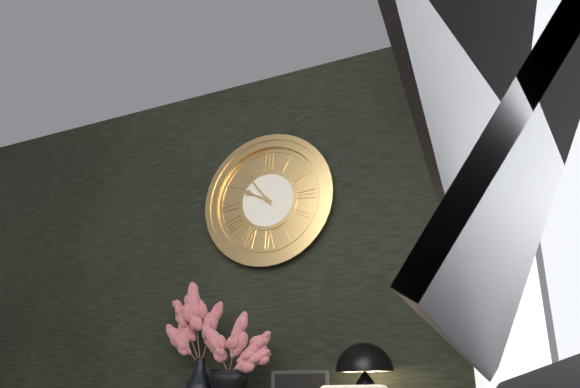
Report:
9:54
